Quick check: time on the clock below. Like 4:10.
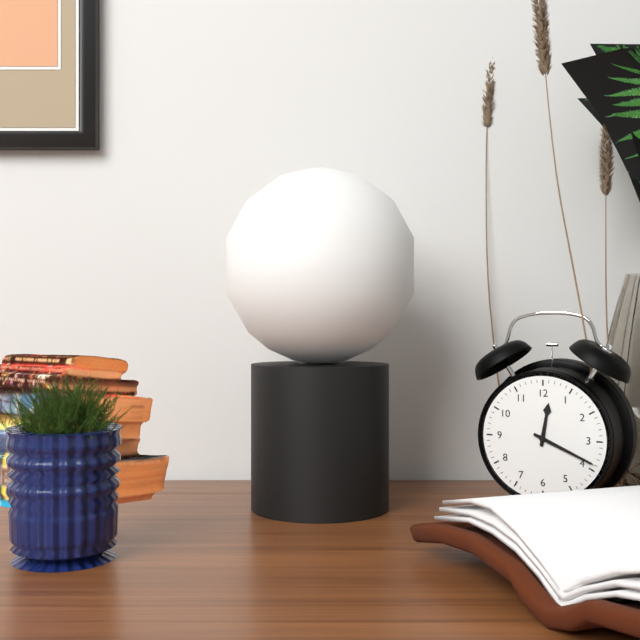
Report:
12:19
